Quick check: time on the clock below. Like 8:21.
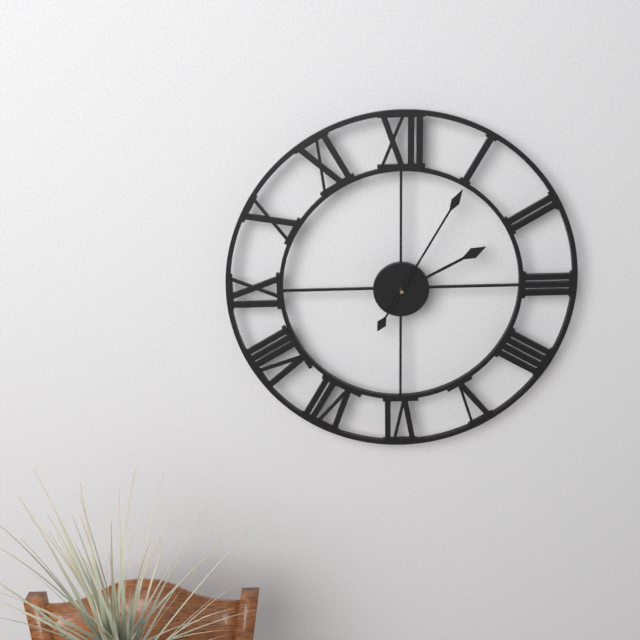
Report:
2:05
